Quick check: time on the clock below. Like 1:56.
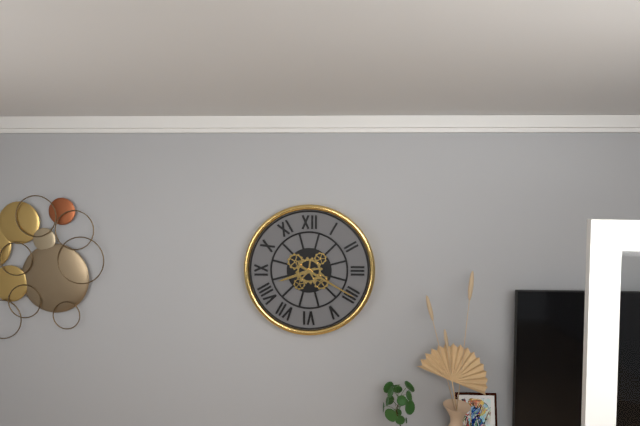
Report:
8:20
